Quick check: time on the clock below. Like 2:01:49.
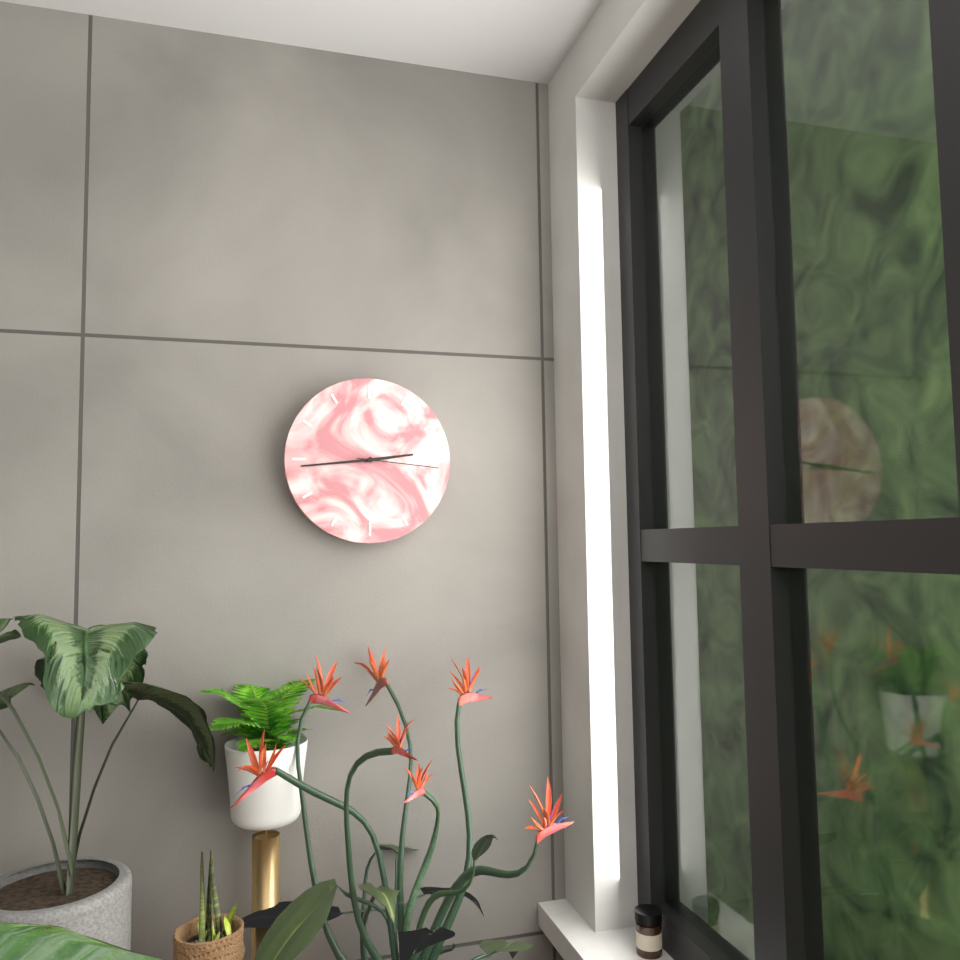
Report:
2:44:16
